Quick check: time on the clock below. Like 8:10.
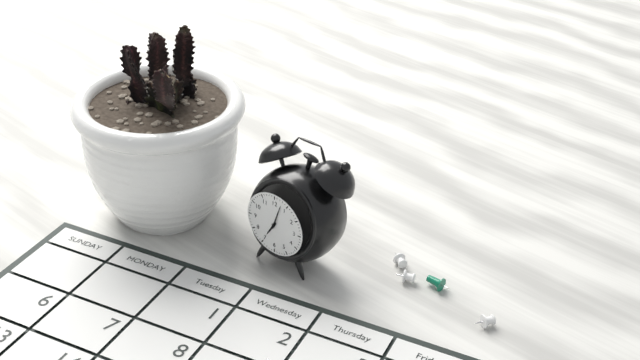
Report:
7:03
